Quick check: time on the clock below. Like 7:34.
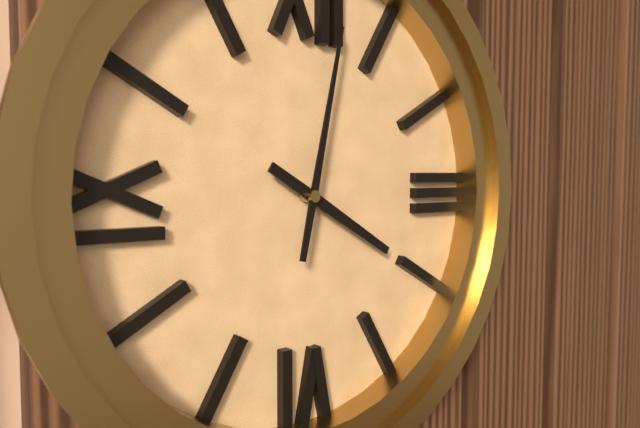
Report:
4:02
